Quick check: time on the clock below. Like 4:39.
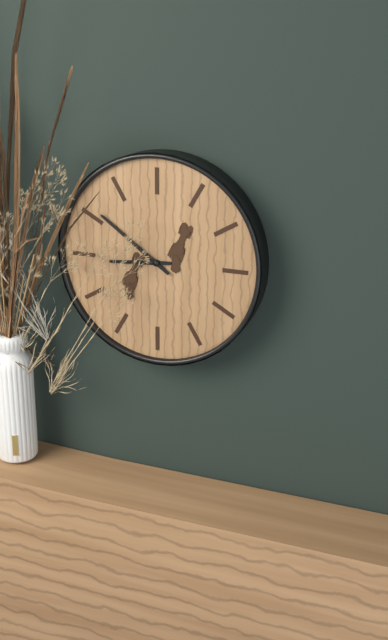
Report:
8:51
